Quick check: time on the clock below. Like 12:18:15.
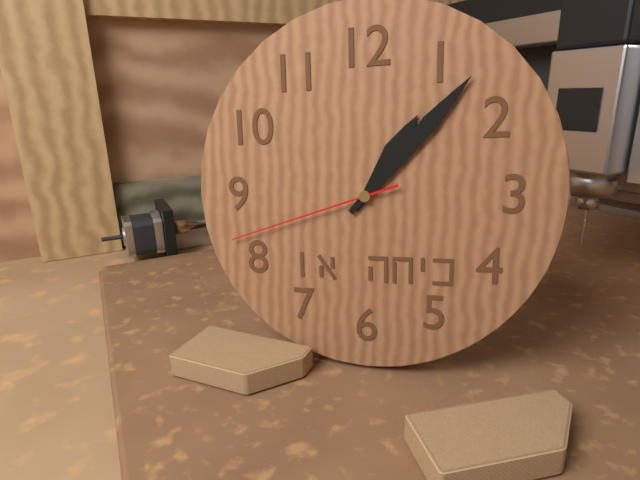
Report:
1:07:42
